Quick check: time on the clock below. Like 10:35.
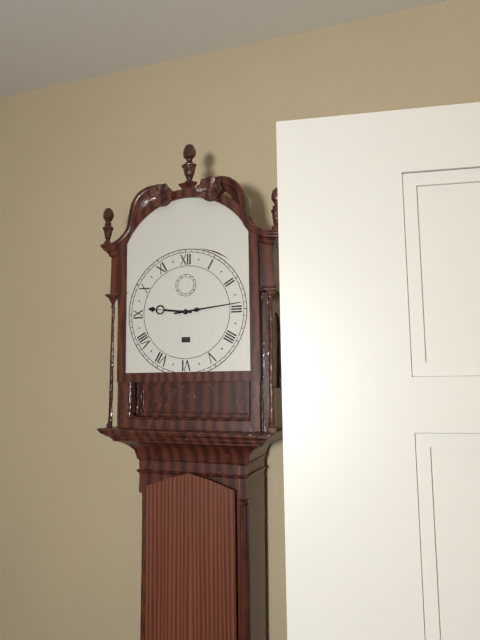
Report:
9:14
